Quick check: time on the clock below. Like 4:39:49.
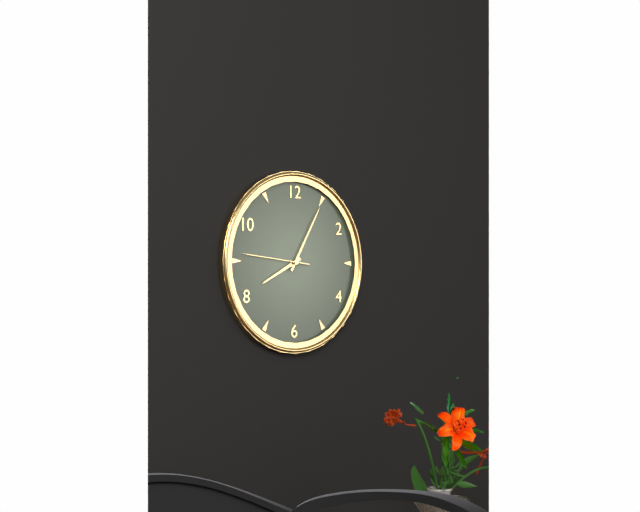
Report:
8:05:46
